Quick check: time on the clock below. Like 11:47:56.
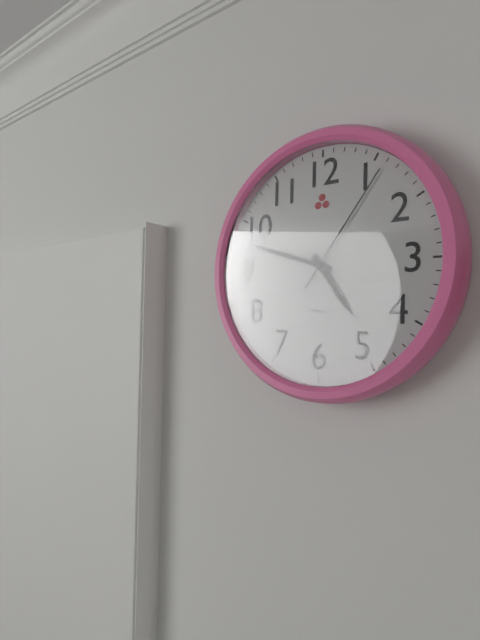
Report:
4:48:06
